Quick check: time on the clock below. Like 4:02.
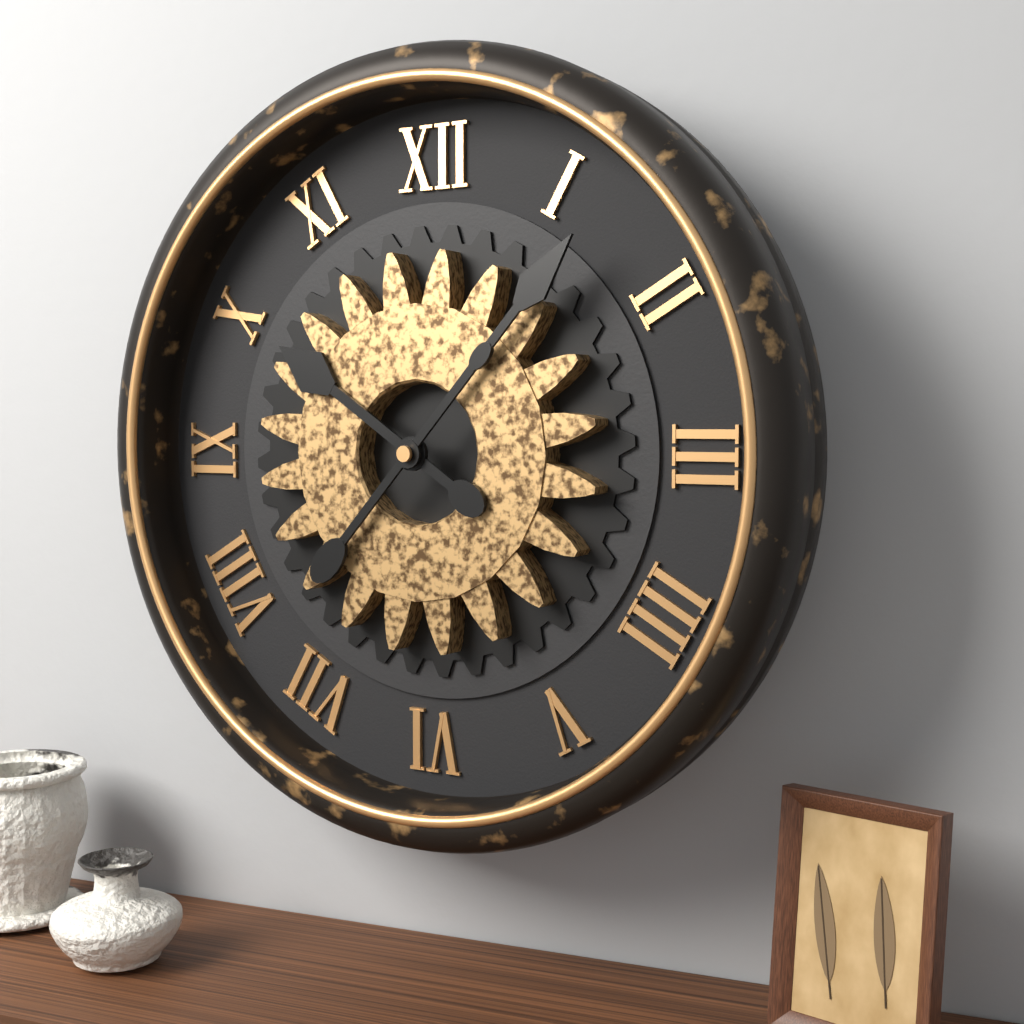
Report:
10:07
